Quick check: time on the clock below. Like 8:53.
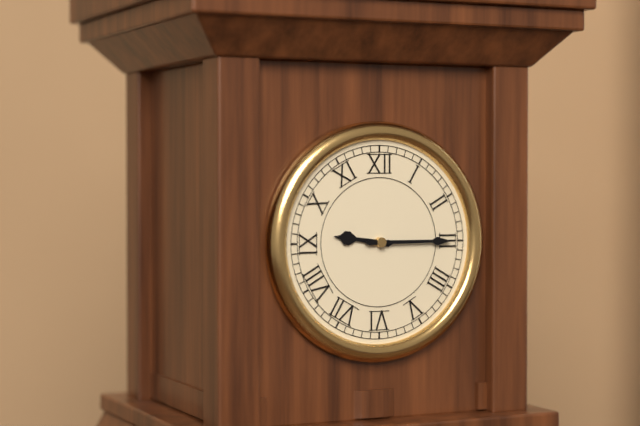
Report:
9:15
